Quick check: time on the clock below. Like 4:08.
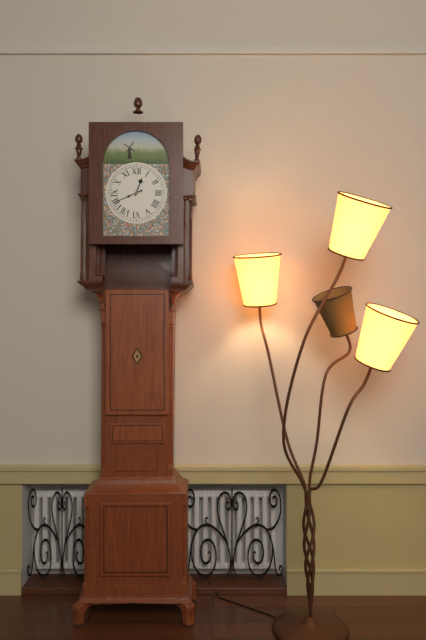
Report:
12:41
